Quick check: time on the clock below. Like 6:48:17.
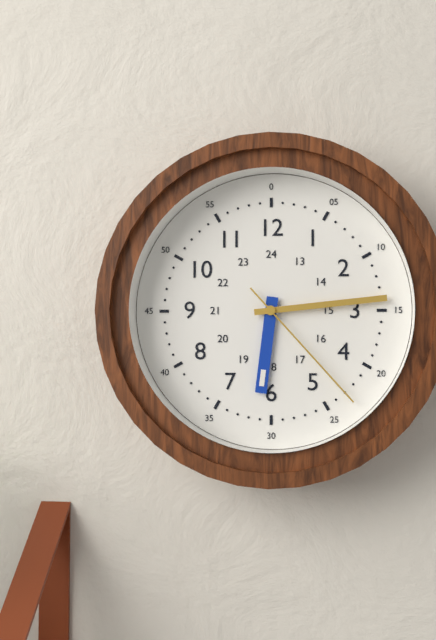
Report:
6:14:23
